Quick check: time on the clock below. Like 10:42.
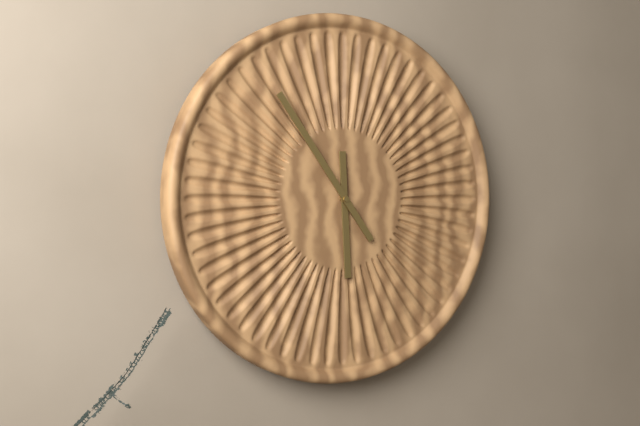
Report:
5:54
